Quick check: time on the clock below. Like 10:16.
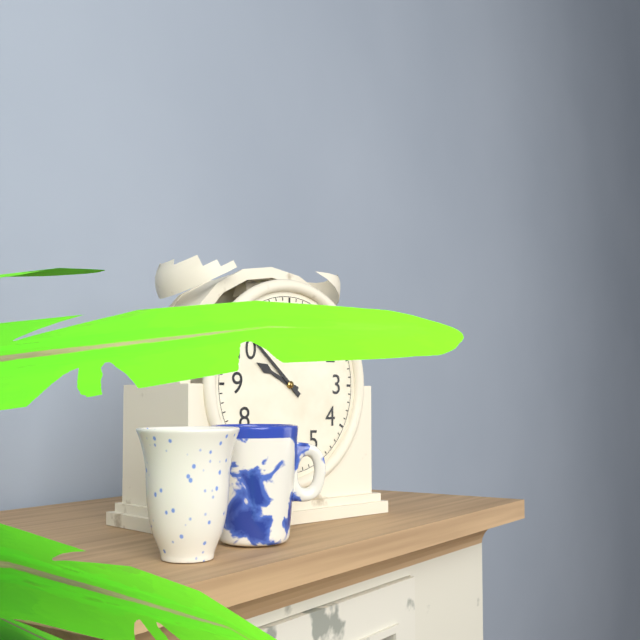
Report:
9:52
